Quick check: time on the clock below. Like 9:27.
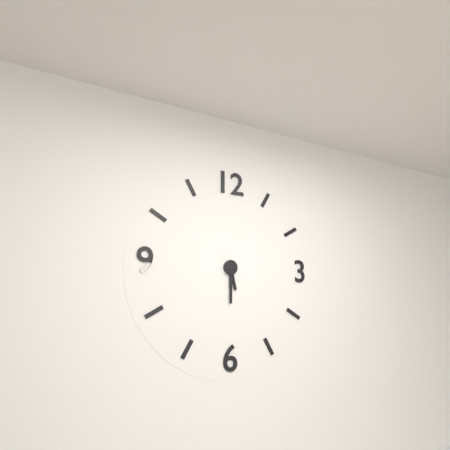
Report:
5:30
